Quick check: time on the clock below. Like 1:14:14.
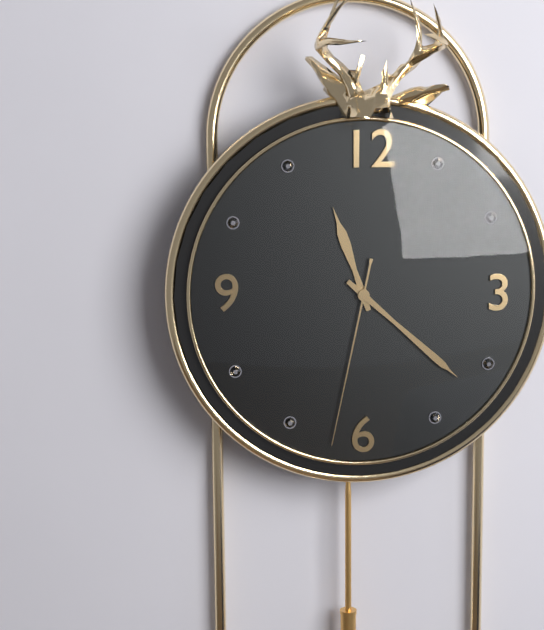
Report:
11:22:32
